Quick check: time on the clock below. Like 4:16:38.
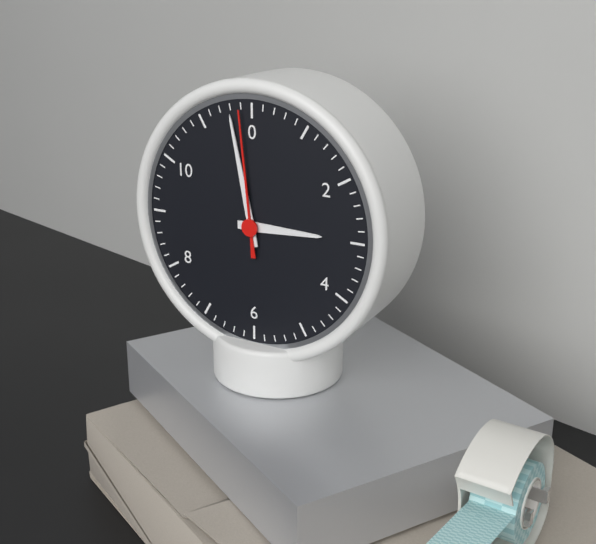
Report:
2:58:59
